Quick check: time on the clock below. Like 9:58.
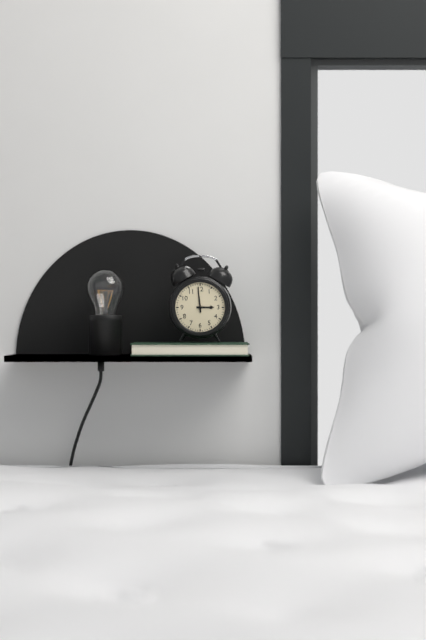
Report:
2:59
